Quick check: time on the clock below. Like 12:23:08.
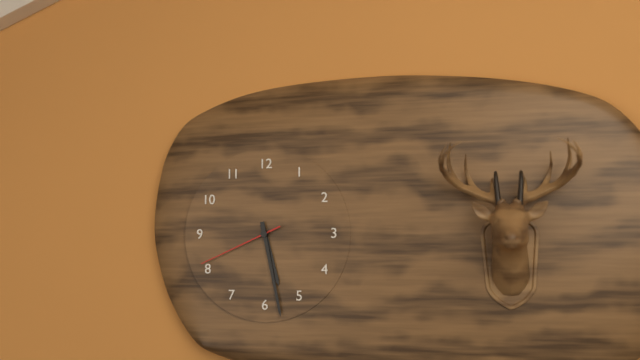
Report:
5:28:41
